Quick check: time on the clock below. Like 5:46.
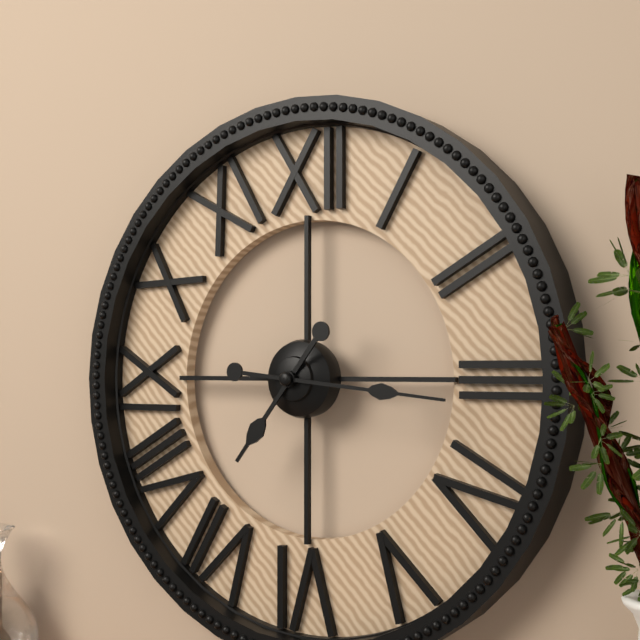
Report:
7:16
